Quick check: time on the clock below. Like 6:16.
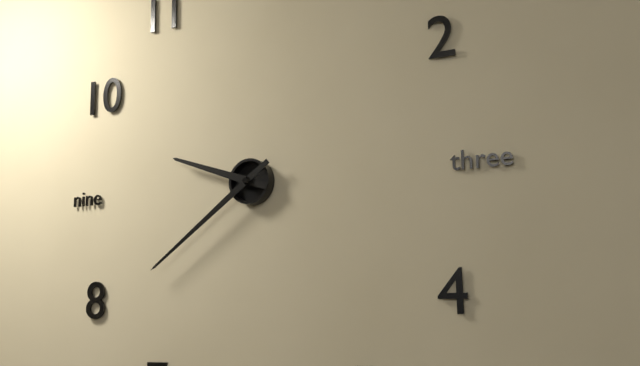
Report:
9:39
